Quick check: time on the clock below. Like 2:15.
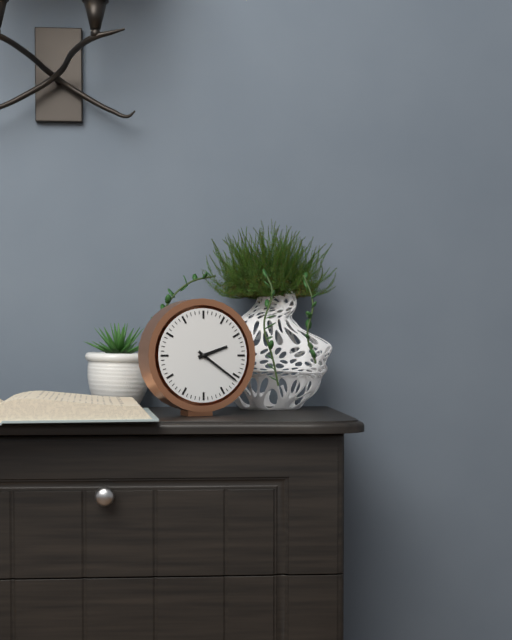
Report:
2:21
